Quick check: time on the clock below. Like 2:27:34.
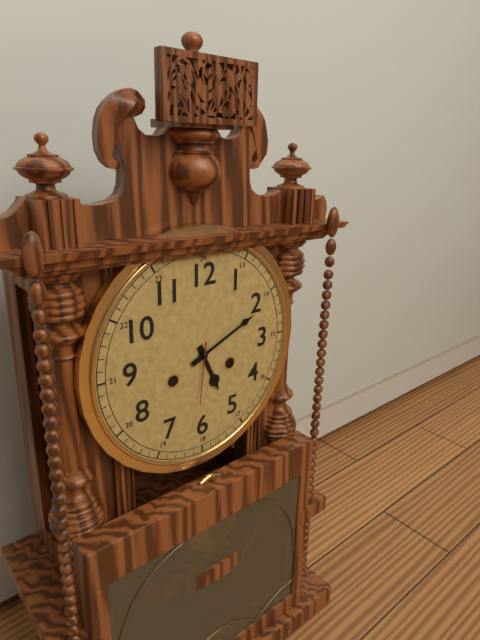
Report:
5:11:31
